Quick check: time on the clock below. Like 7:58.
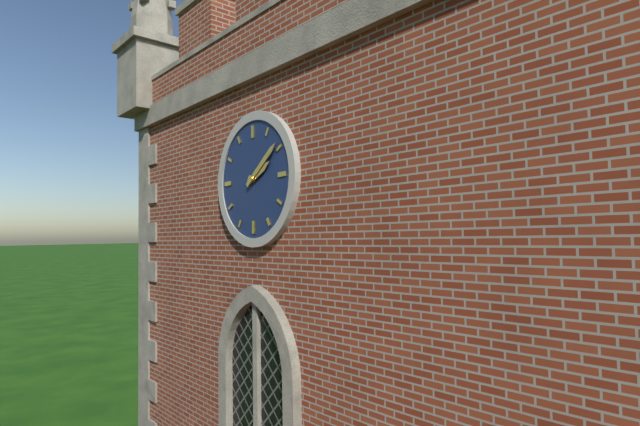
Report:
2:09
